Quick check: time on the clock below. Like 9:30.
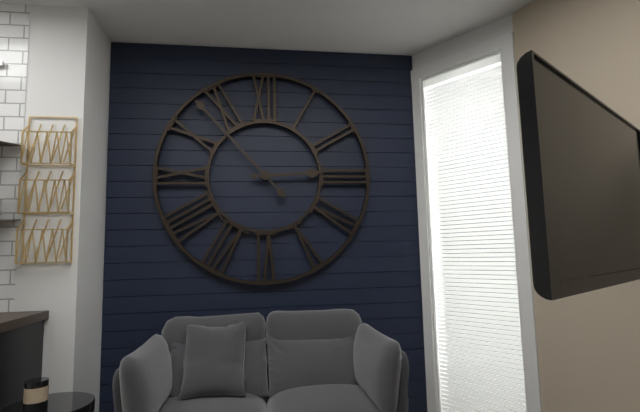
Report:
2:53
